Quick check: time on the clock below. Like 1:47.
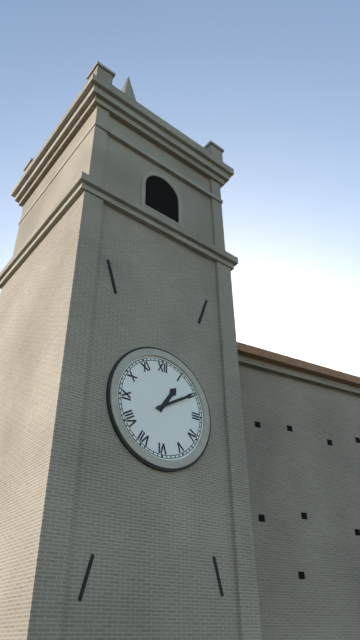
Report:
1:10
